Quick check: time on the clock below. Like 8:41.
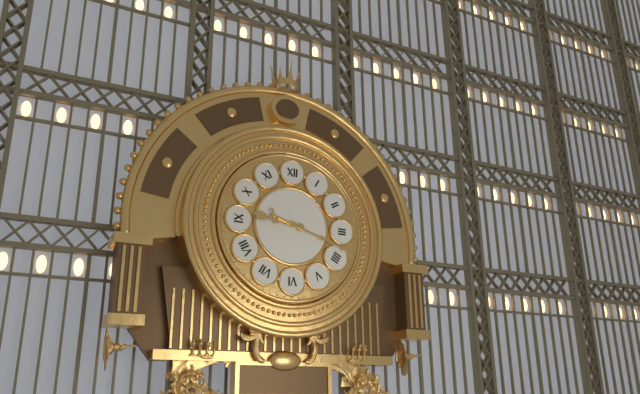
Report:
9:18
